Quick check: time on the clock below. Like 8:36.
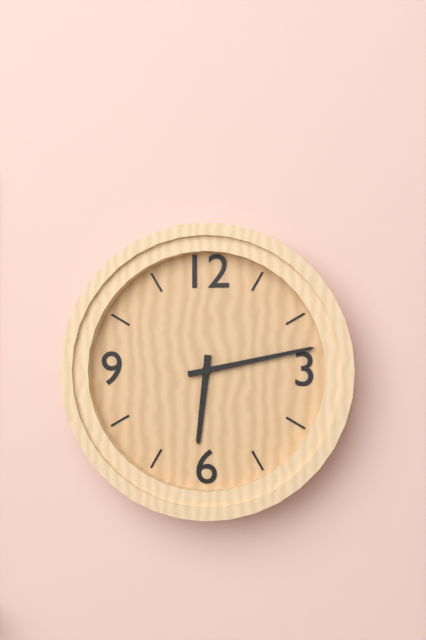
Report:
6:13
